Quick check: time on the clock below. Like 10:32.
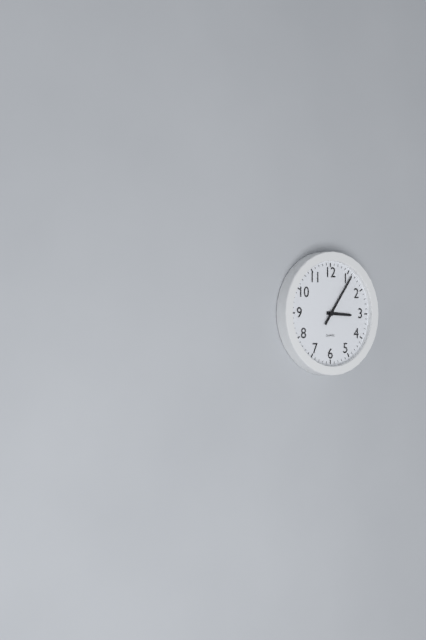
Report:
3:06
